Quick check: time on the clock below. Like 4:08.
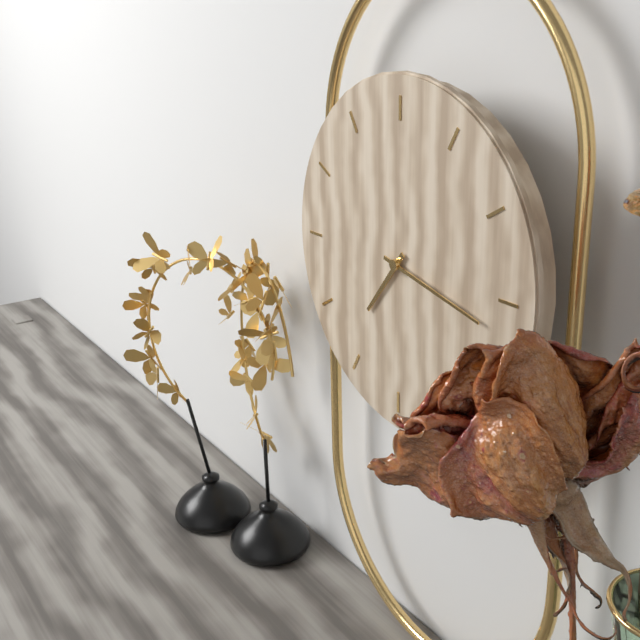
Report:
7:17
